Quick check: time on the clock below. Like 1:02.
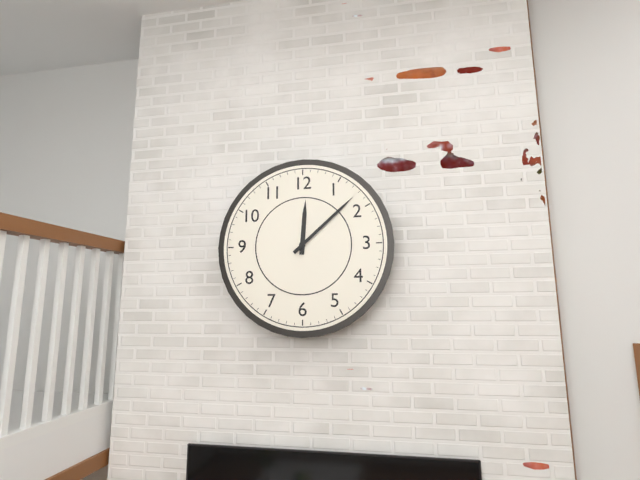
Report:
12:08
